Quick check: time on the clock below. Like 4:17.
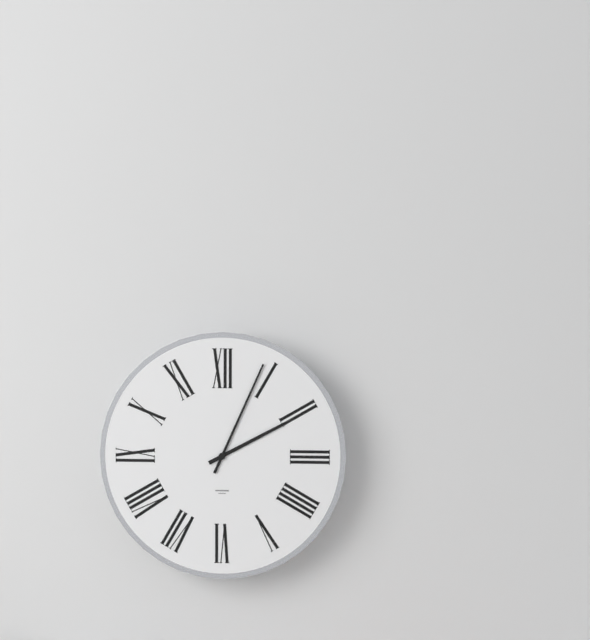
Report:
2:04
